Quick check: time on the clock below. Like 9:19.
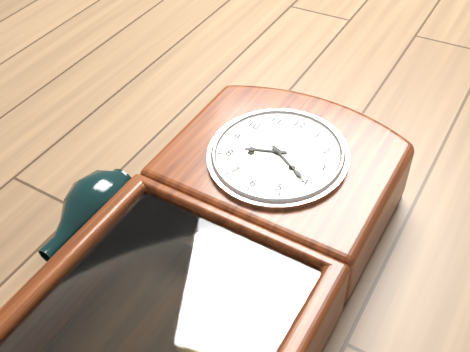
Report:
8:20
